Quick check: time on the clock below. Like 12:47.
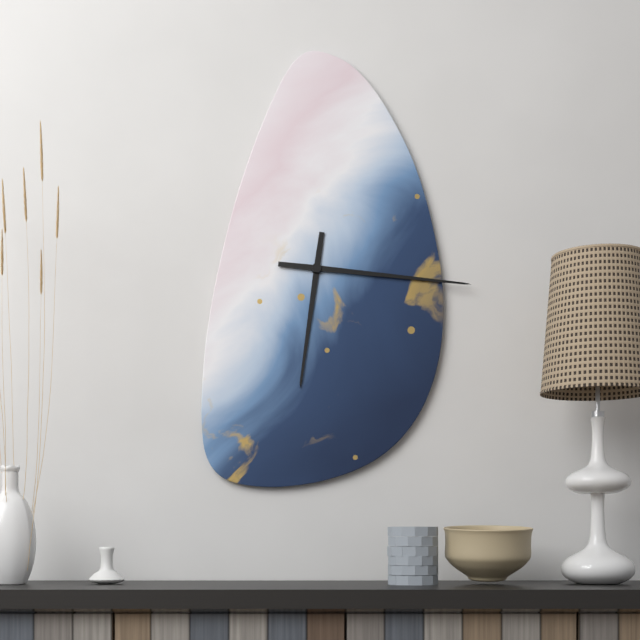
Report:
6:16
